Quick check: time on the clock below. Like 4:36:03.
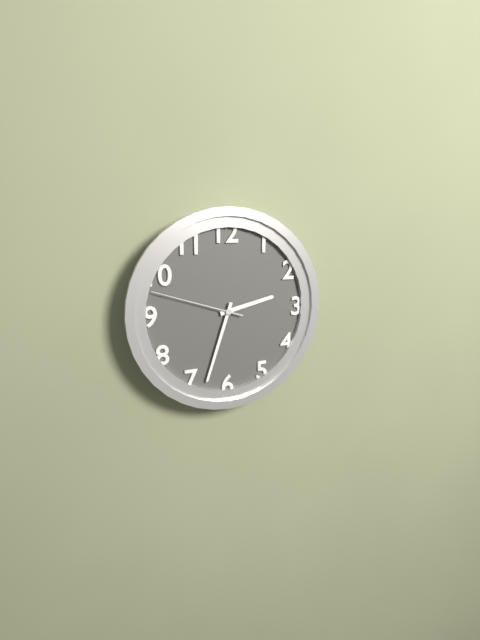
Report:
2:33:48
